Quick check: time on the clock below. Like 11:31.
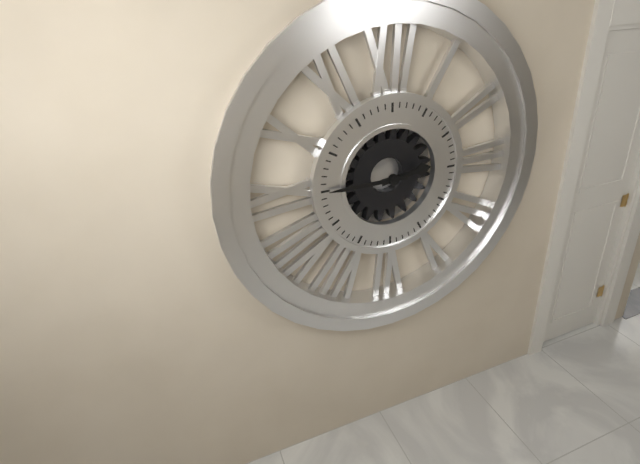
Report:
2:45
